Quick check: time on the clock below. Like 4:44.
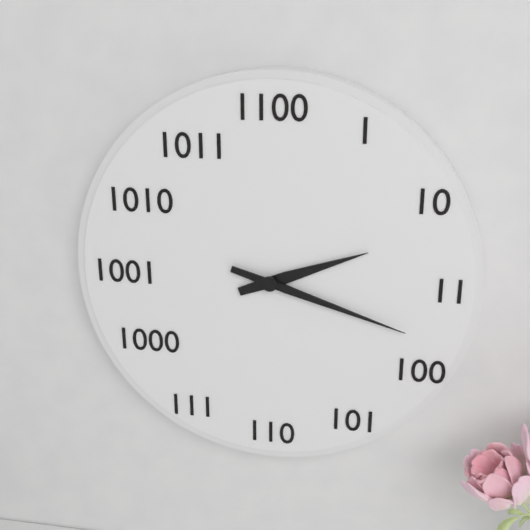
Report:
2:18
